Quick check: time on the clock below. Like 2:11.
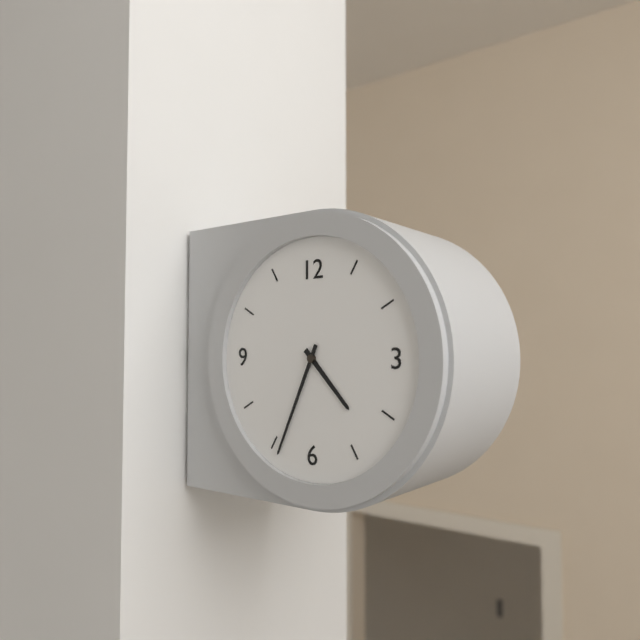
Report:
4:34
